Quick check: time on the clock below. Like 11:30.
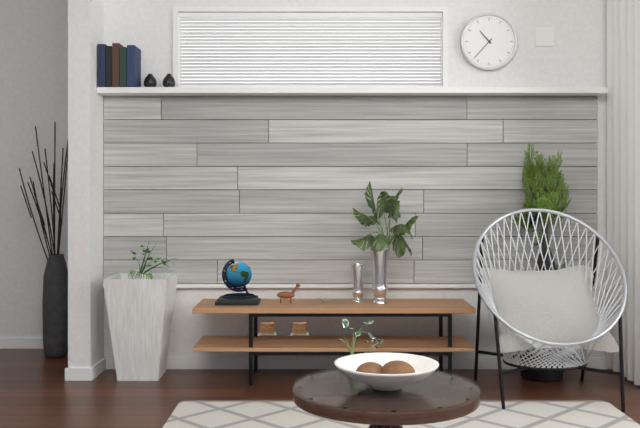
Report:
10:37
